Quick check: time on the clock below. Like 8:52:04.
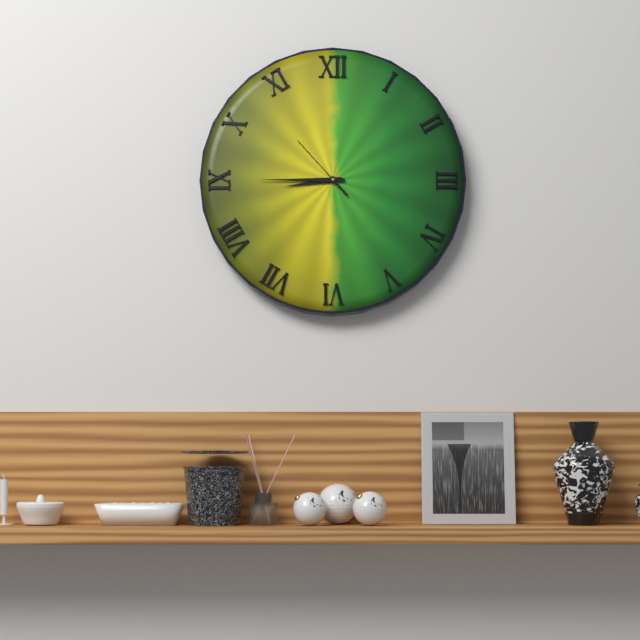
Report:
8:45:53
